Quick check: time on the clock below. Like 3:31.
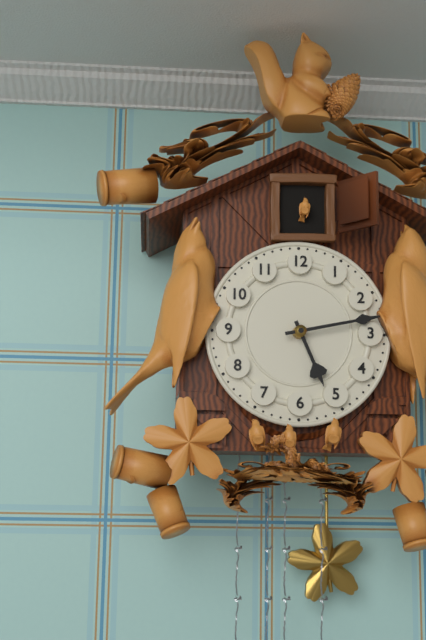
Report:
5:13
